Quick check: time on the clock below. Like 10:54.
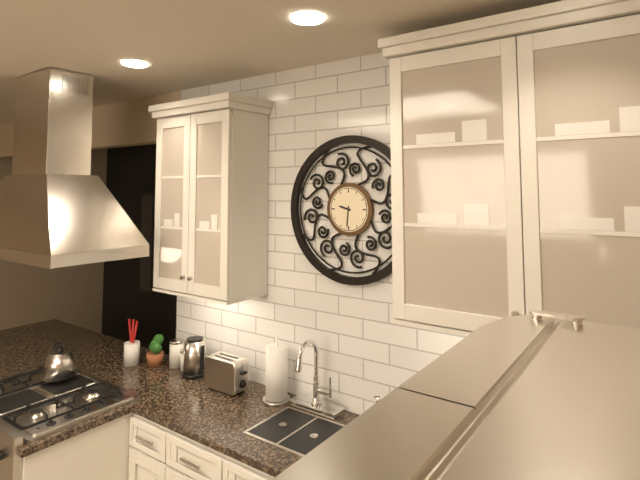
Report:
9:31
